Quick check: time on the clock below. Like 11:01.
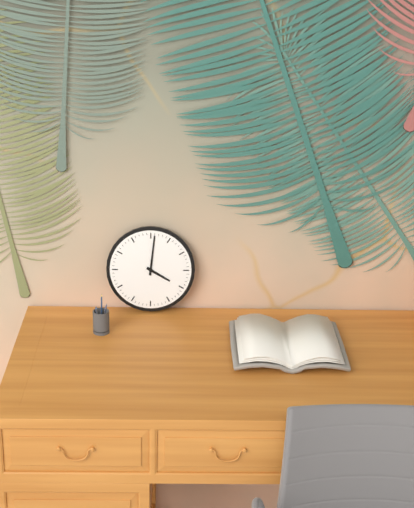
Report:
4:01
